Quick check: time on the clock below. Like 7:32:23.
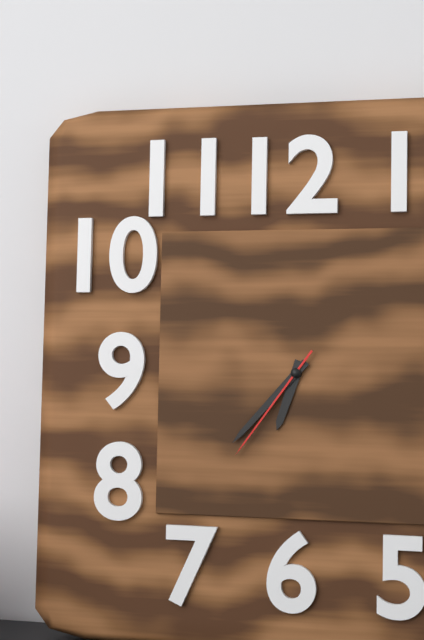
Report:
6:37:36
